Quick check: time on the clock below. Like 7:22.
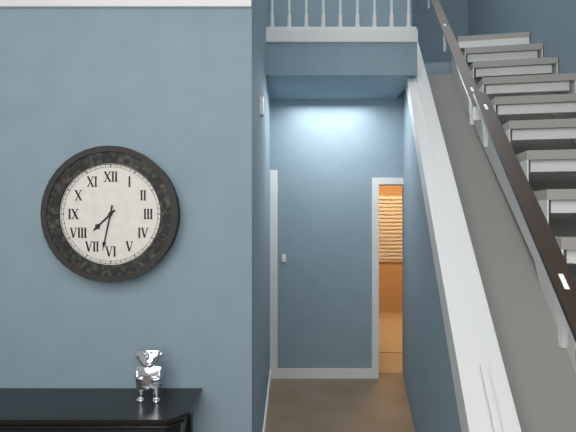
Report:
7:32
